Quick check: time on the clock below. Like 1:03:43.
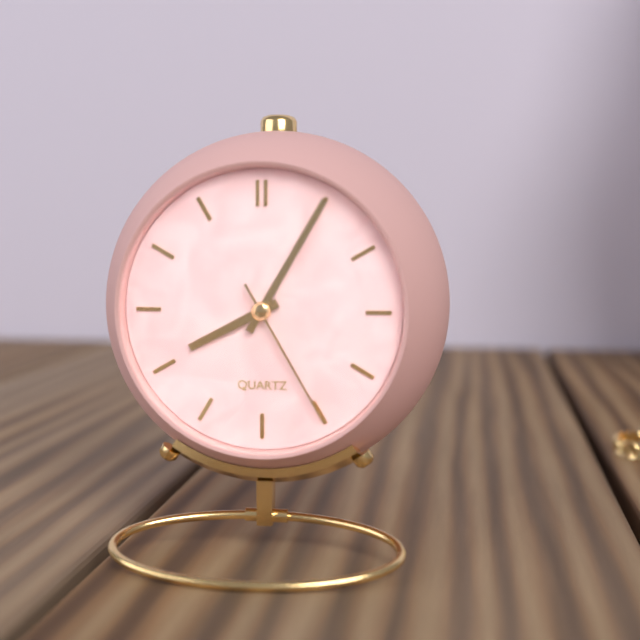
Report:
8:05:25
